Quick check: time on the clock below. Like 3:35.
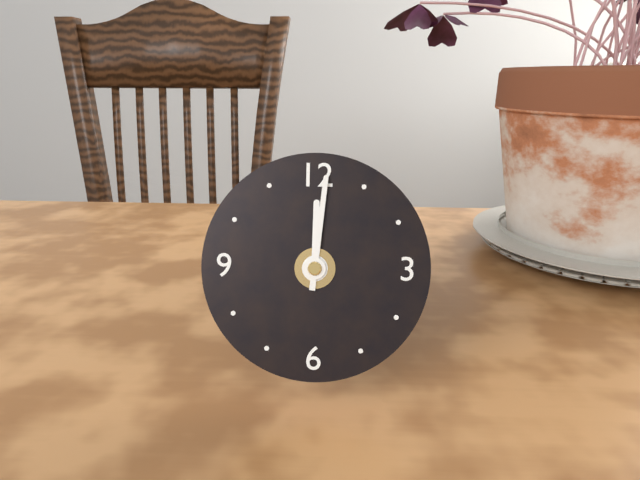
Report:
12:01
